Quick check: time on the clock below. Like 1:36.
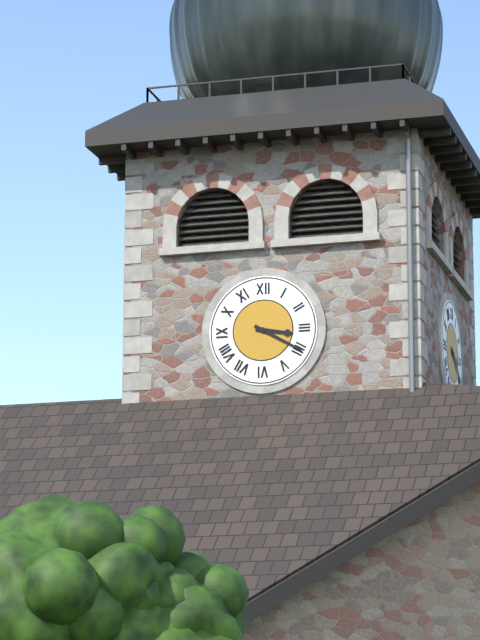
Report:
3:20
